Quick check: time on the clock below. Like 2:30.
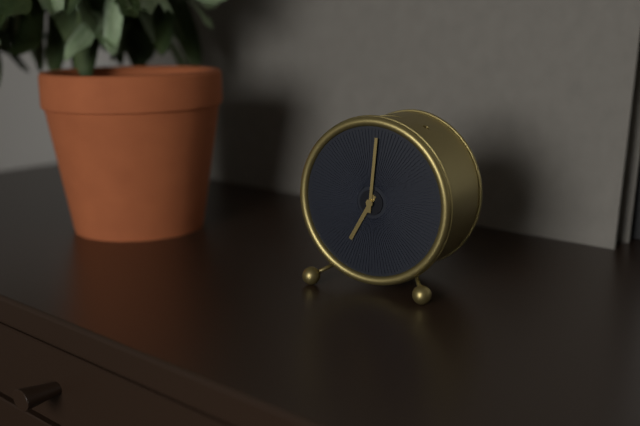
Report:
7:01
